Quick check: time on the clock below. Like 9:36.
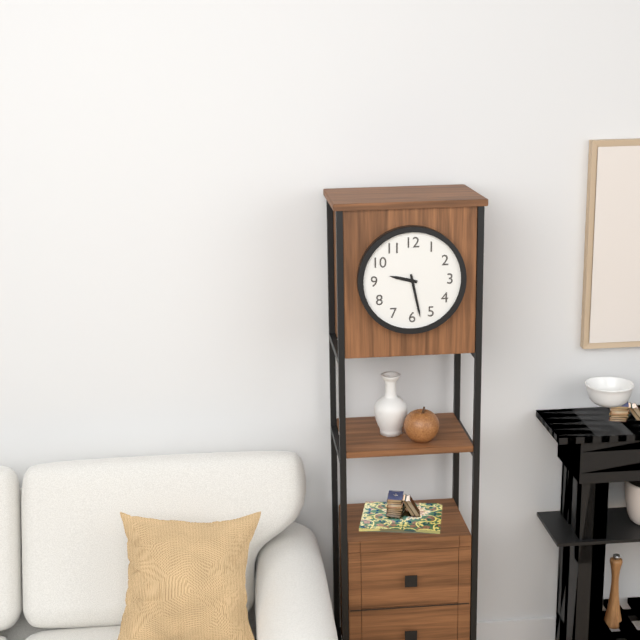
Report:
9:28
